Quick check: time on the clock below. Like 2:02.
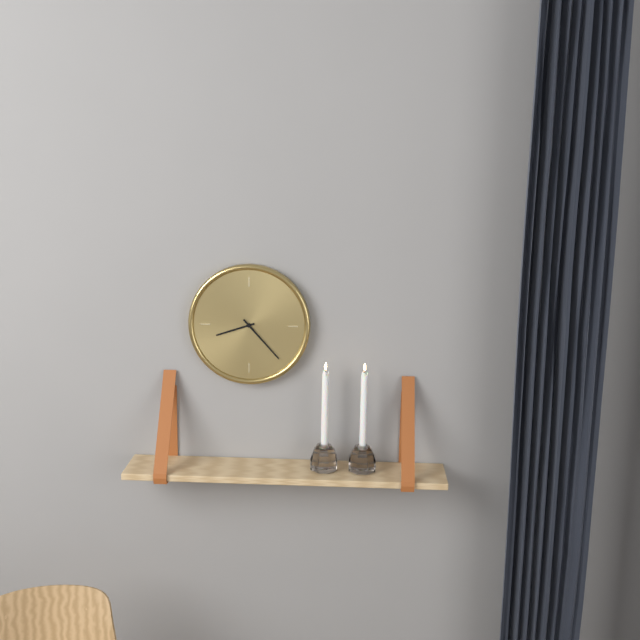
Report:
8:23
